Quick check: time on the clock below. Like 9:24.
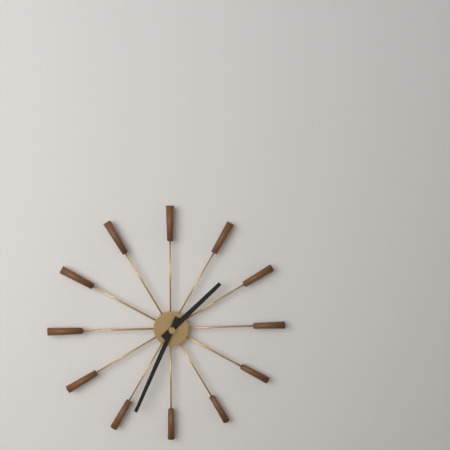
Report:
1:34
